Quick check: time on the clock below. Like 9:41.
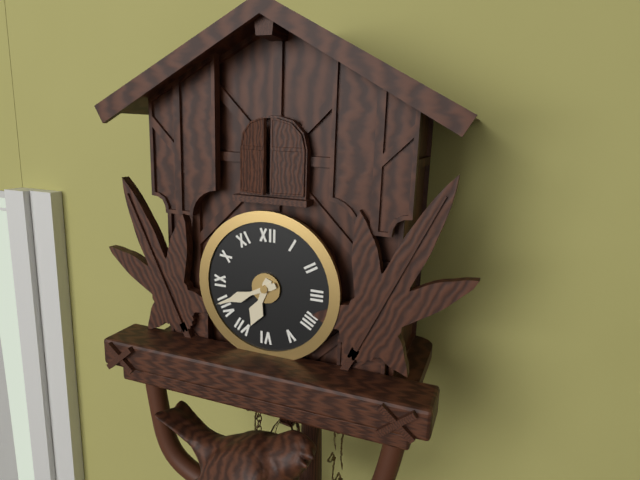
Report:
6:41
